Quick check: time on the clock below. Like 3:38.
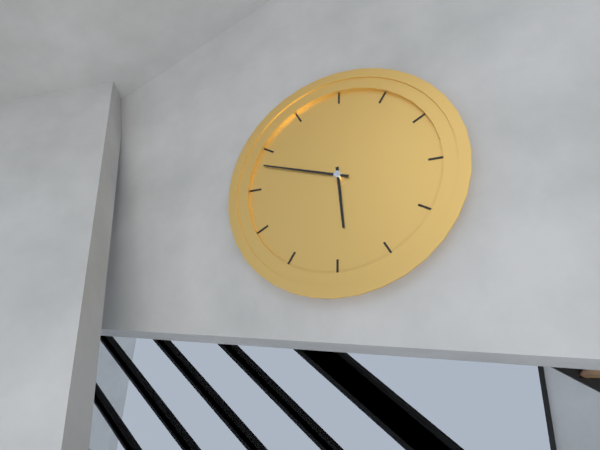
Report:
5:48
